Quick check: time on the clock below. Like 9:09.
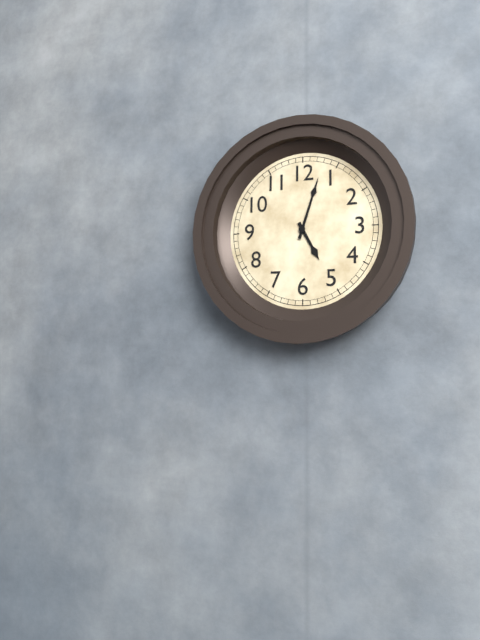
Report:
5:03
